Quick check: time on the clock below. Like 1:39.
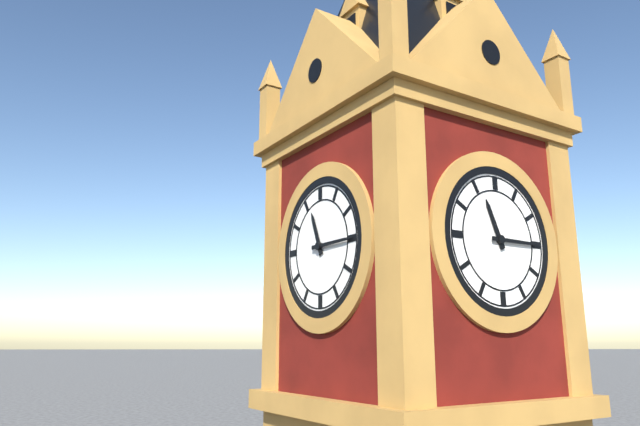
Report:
11:15
